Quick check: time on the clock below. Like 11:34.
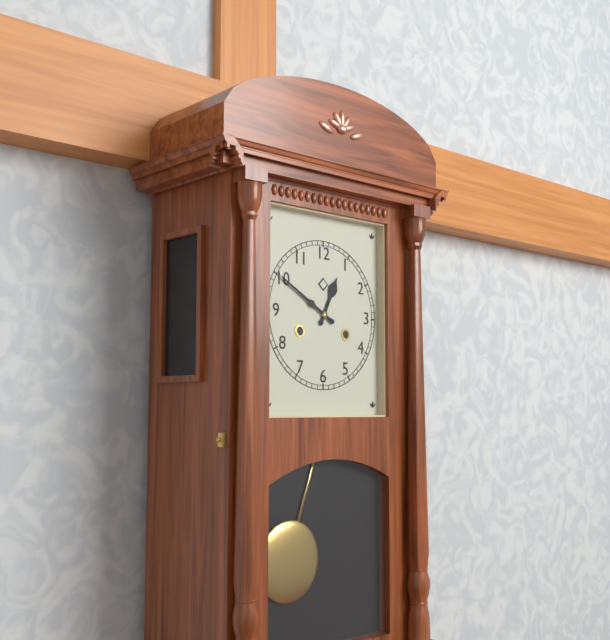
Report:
12:50
